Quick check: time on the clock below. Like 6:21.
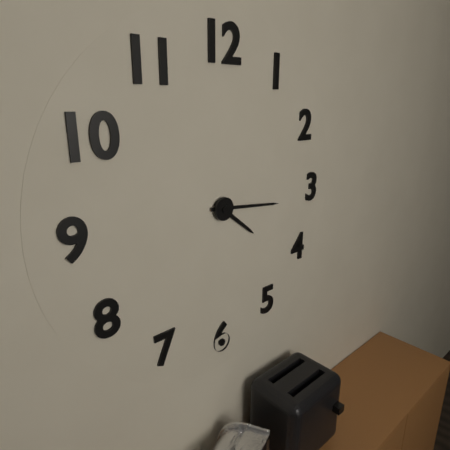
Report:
4:16
